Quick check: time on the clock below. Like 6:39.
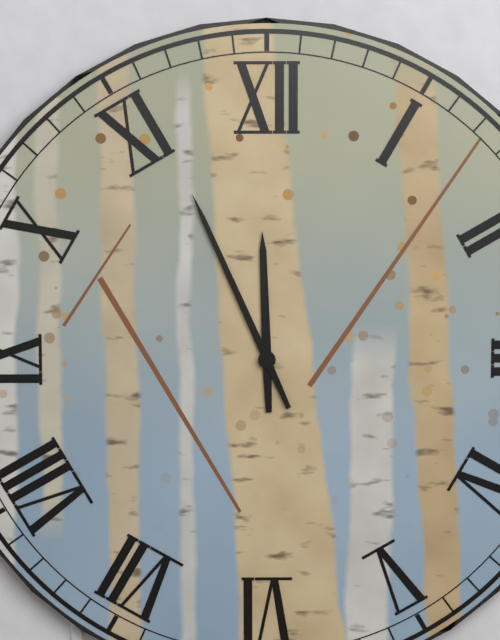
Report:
11:56
